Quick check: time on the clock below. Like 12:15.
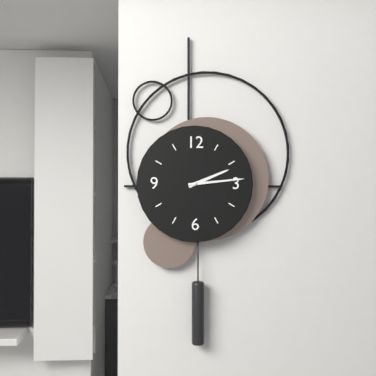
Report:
2:14
